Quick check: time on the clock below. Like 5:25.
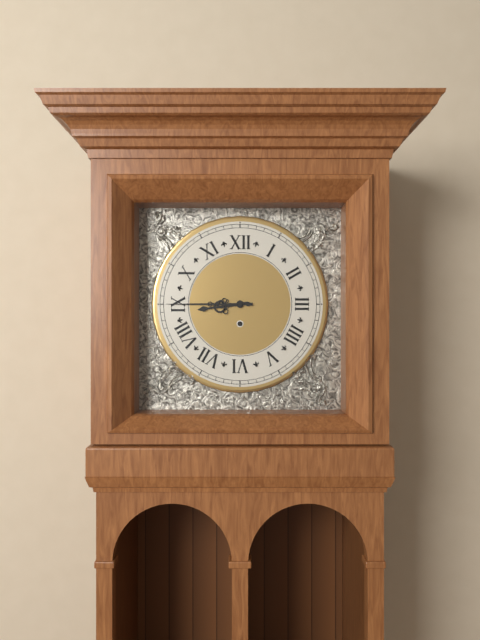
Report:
8:45
